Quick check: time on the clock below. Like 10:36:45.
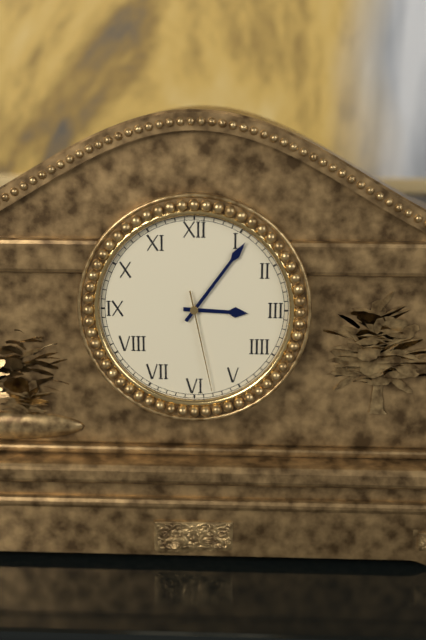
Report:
3:06:28
